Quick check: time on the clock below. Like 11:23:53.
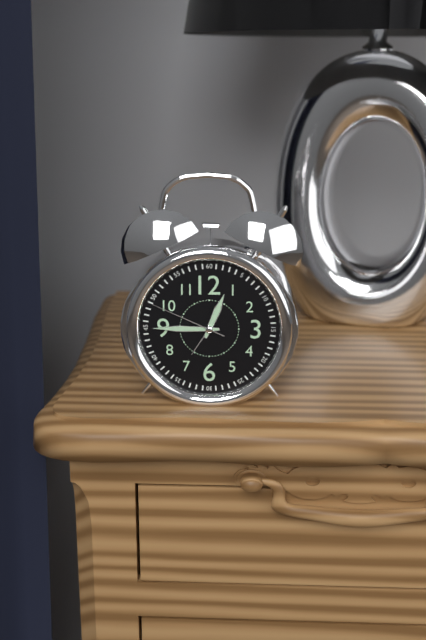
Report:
12:45:49
